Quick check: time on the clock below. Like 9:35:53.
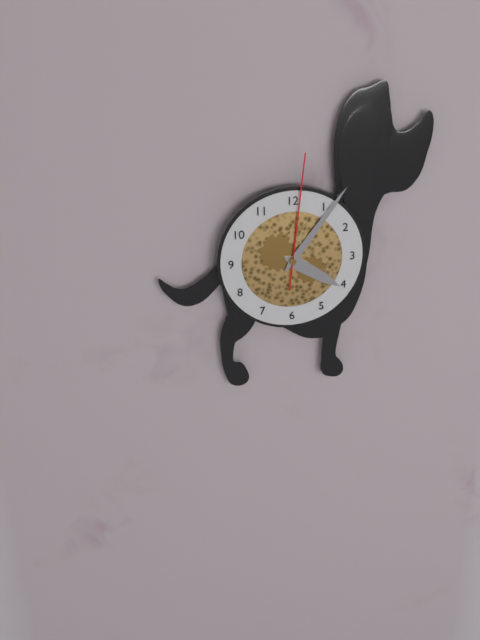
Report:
4:06:01
